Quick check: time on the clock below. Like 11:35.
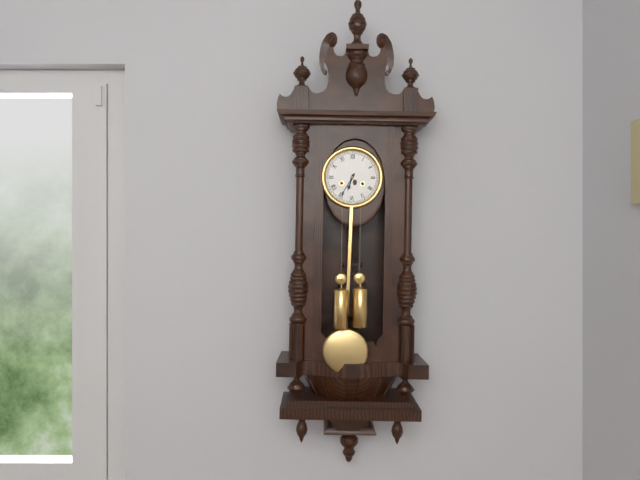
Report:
6:35
